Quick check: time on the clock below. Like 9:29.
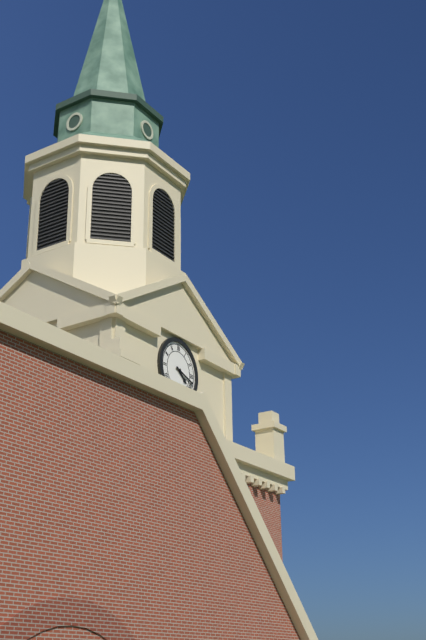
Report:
4:18
